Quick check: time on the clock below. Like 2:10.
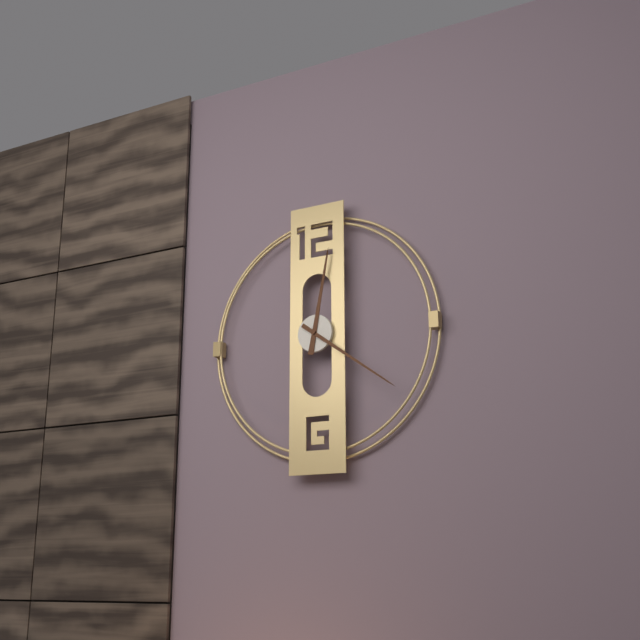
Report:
12:21
